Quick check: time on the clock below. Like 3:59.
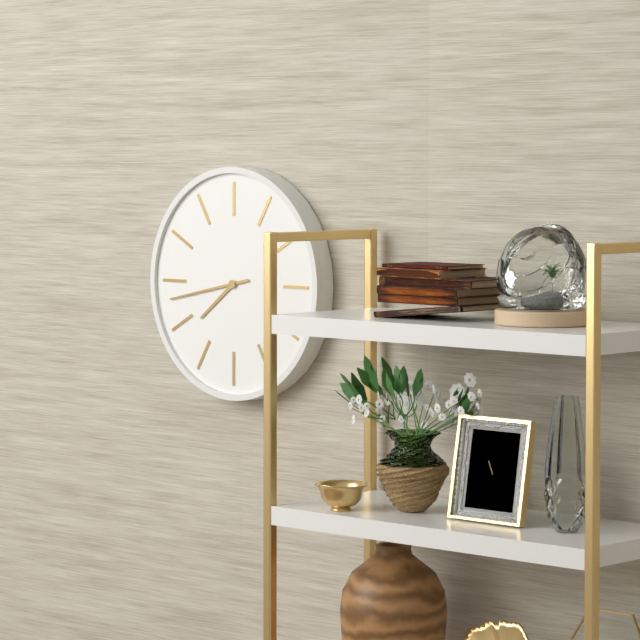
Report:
7:43
